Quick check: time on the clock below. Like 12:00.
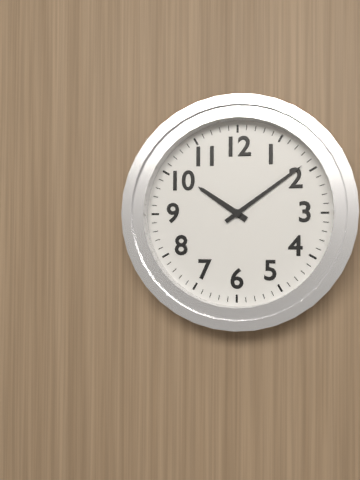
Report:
10:09
